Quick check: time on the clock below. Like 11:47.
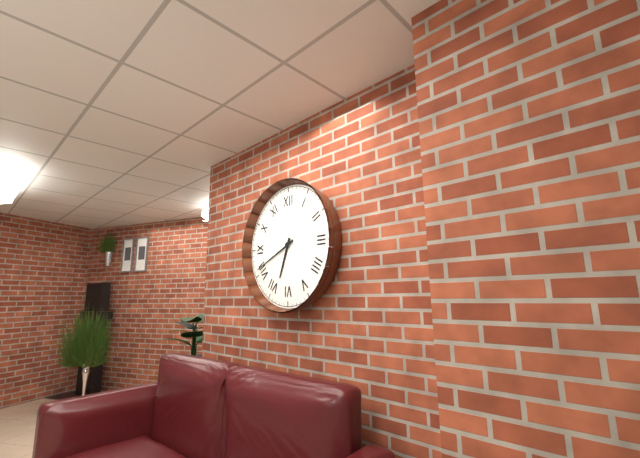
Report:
6:41
